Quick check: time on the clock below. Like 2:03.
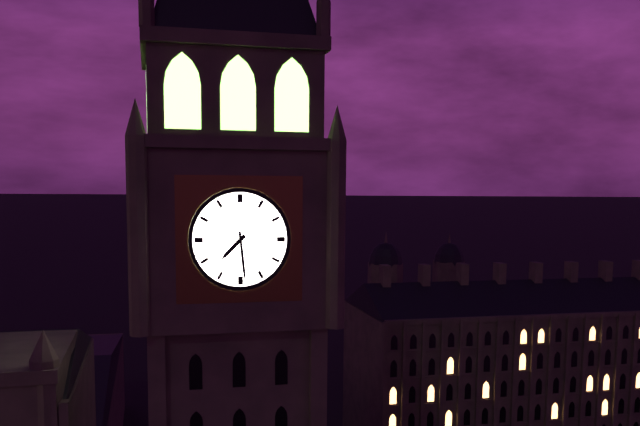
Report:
7:29
